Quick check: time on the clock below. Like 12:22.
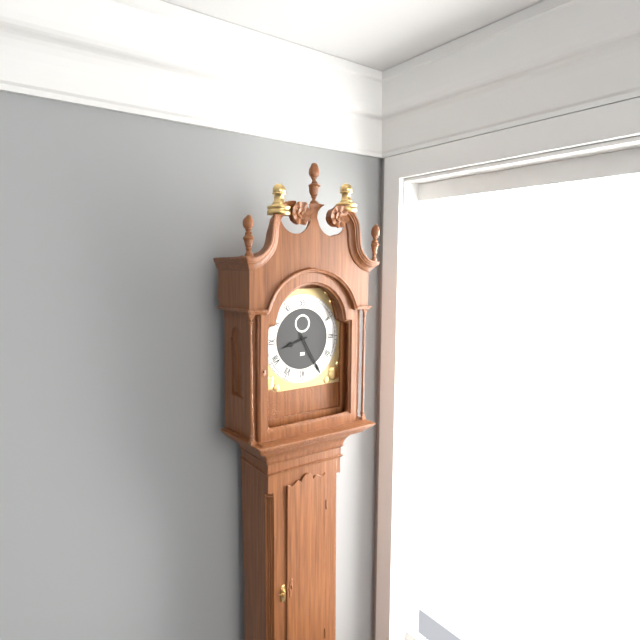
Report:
8:25
